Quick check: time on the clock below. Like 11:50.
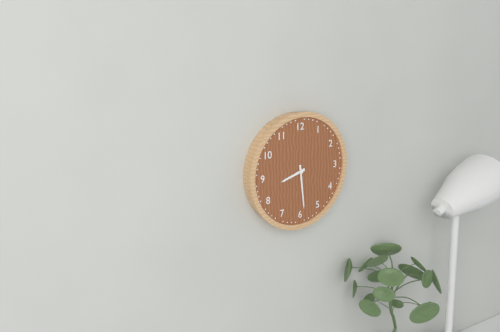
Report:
8:29
